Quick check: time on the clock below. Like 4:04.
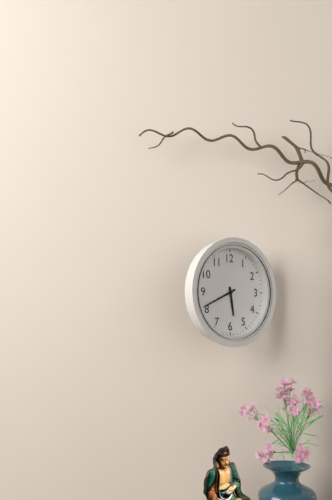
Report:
5:41
